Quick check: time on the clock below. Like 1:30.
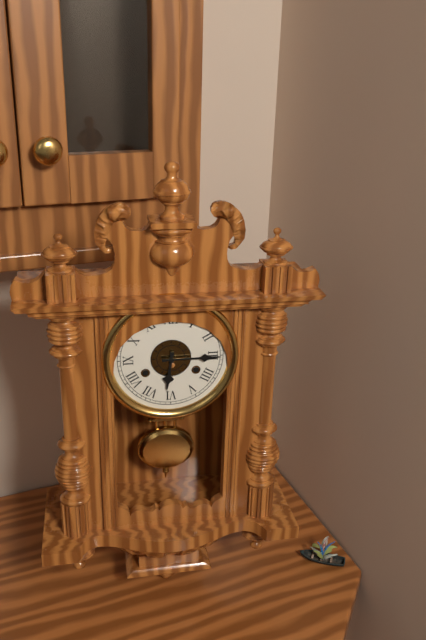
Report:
6:15
